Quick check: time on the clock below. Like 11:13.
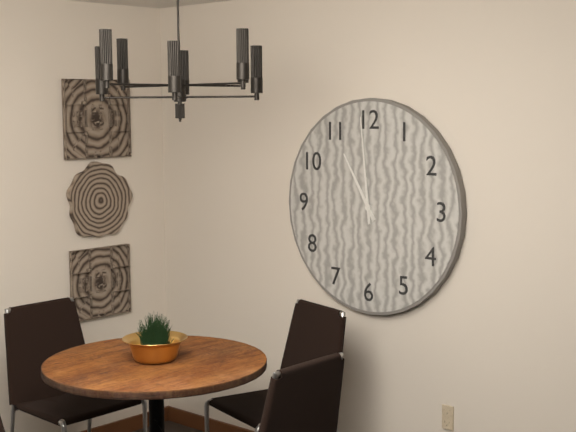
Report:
10:59
